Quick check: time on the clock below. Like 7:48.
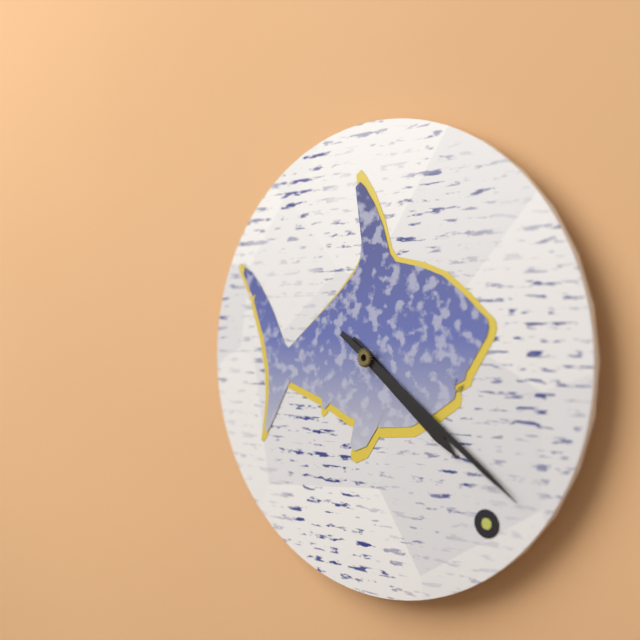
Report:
4:21
